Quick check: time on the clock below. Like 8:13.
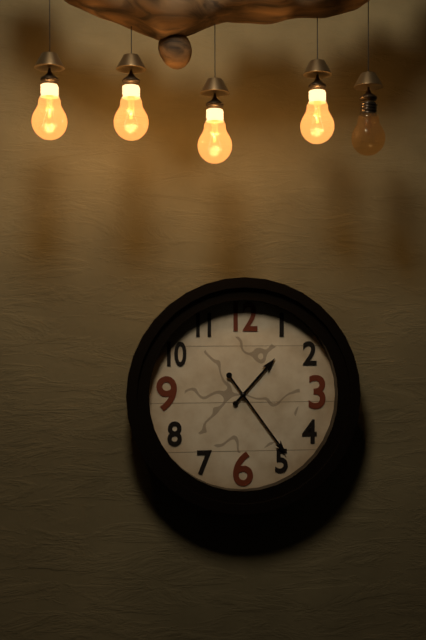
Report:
1:24
